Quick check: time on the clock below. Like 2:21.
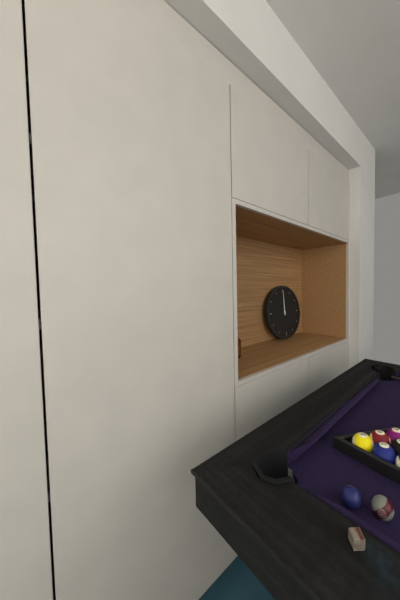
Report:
12:00
